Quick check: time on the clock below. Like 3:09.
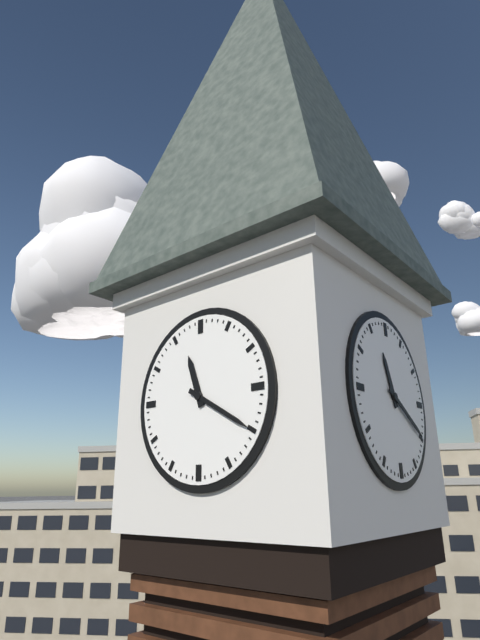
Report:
11:20
